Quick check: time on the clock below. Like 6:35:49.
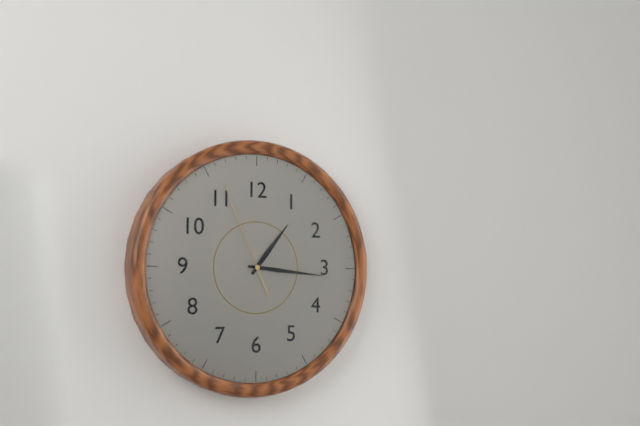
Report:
1:16:56
